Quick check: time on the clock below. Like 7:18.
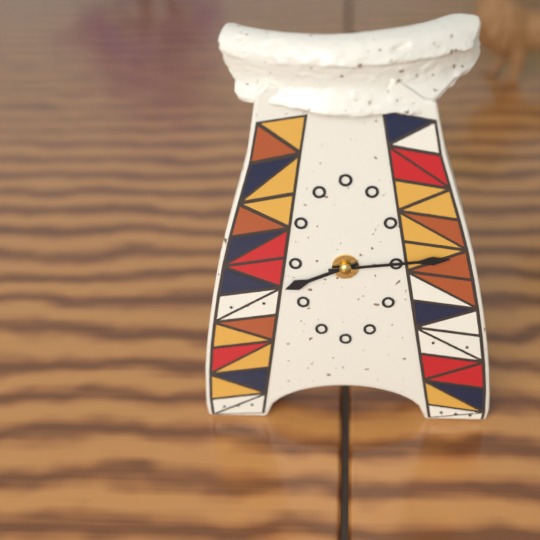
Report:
8:14
